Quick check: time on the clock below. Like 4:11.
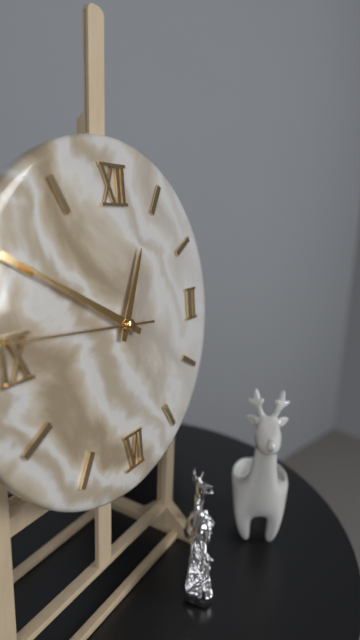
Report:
12:50
